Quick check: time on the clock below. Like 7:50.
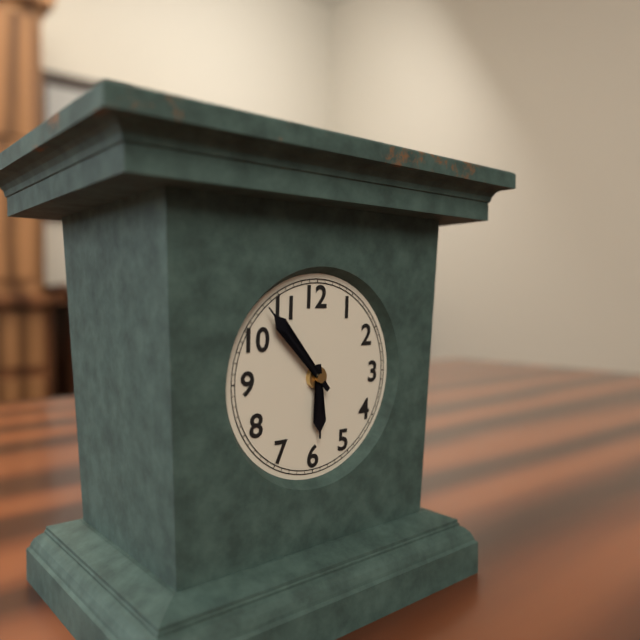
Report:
5:53
